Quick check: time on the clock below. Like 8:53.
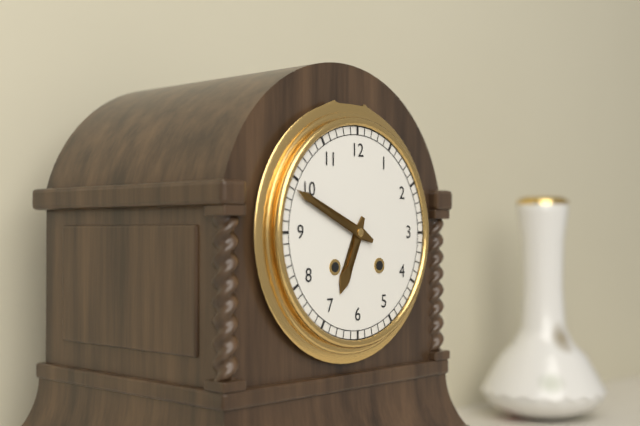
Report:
6:49
